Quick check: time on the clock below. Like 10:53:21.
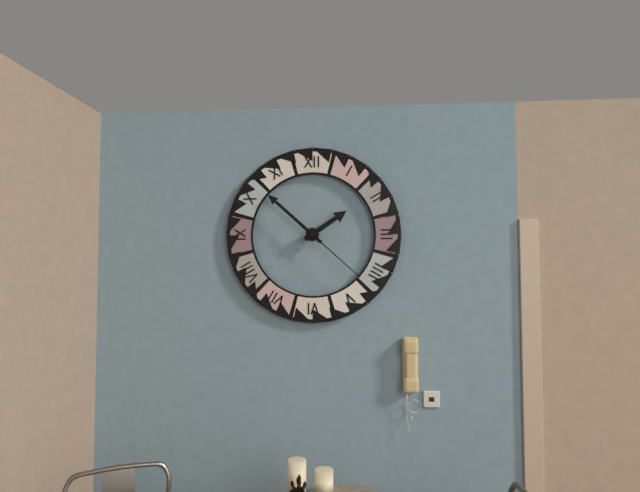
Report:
1:52:22
